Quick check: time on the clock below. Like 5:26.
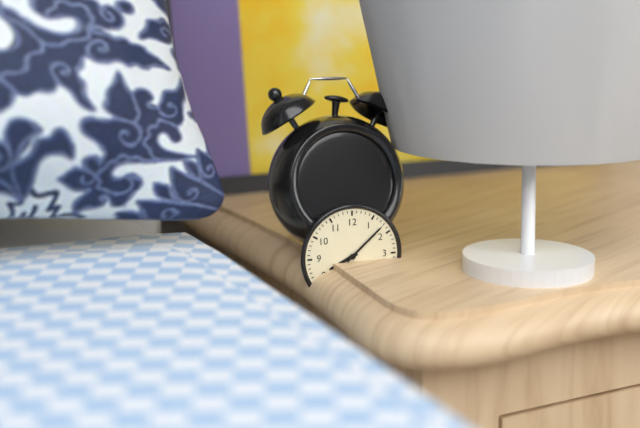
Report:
8:08
